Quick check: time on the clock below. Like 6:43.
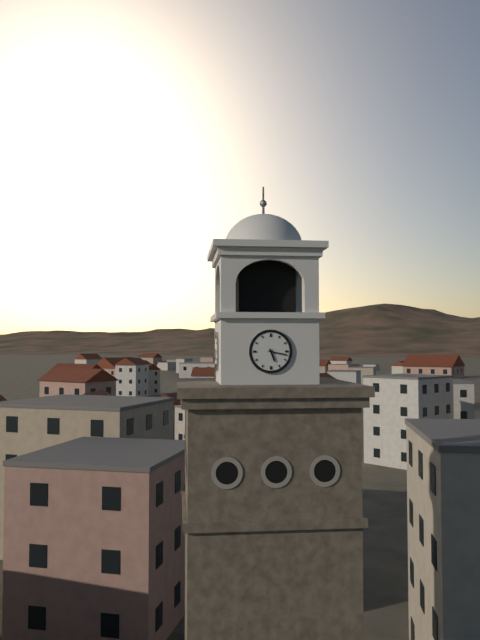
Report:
5:17
